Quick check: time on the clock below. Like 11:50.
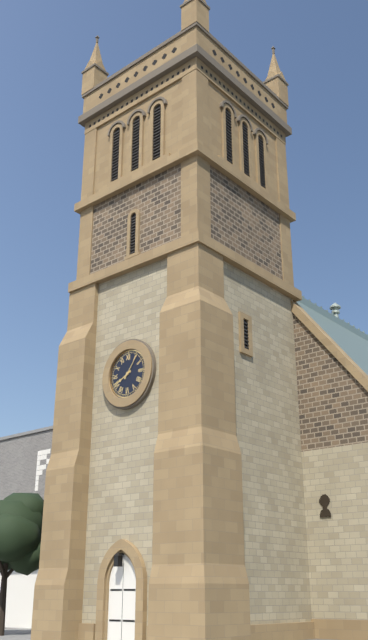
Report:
8:06
